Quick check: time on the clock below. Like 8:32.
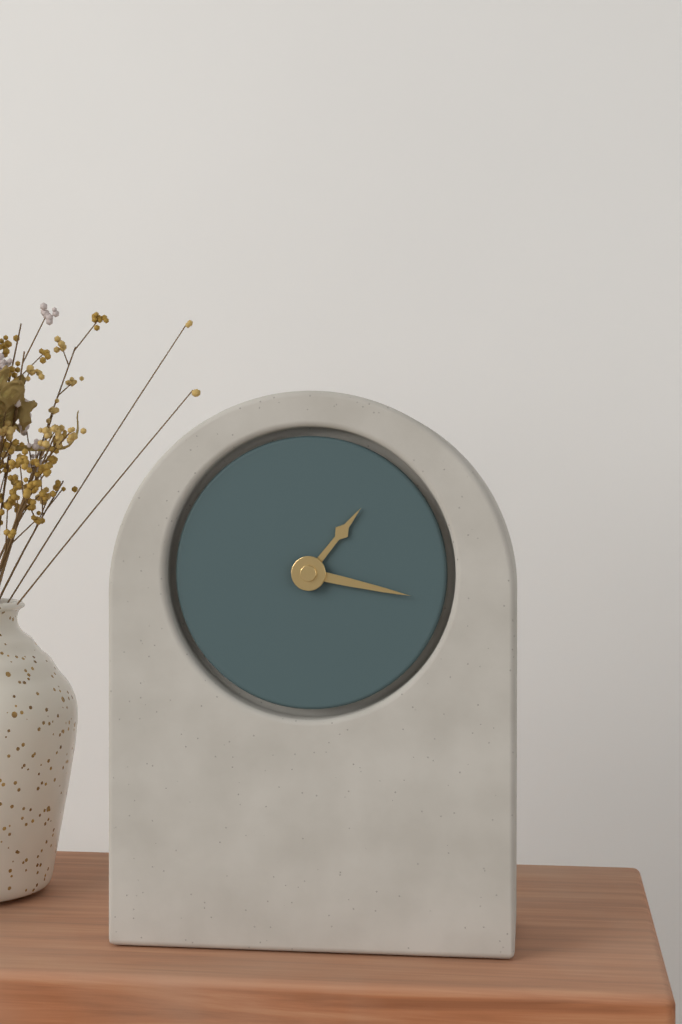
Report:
1:17
